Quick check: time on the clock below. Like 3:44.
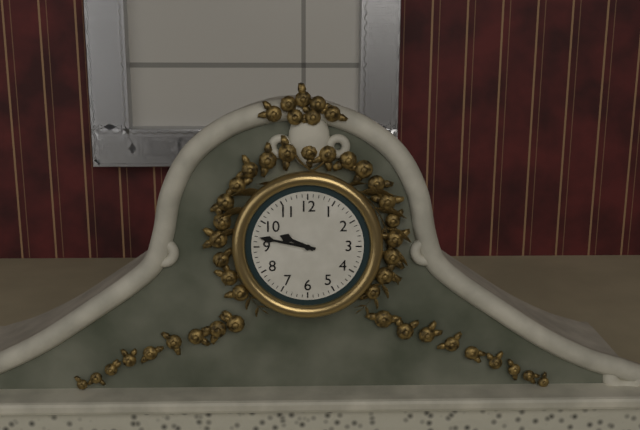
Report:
9:47
